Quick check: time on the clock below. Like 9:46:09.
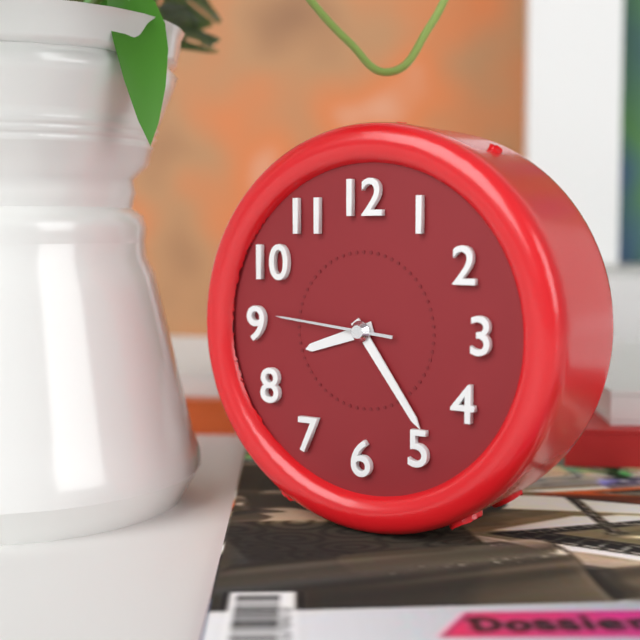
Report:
8:24:46
